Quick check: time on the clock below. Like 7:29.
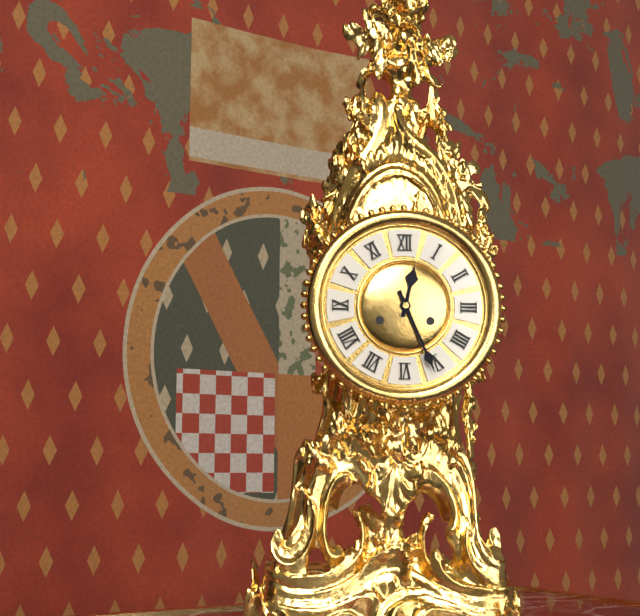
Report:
12:26
